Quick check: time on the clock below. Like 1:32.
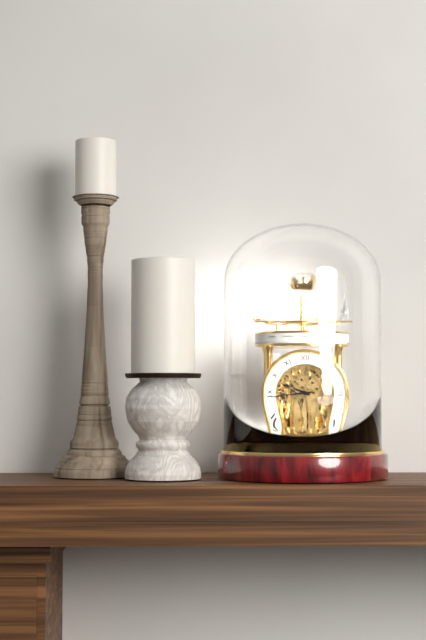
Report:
9:44
